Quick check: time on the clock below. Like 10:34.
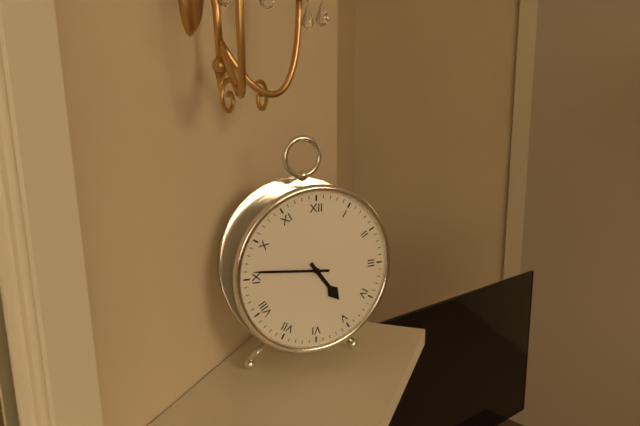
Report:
4:46
